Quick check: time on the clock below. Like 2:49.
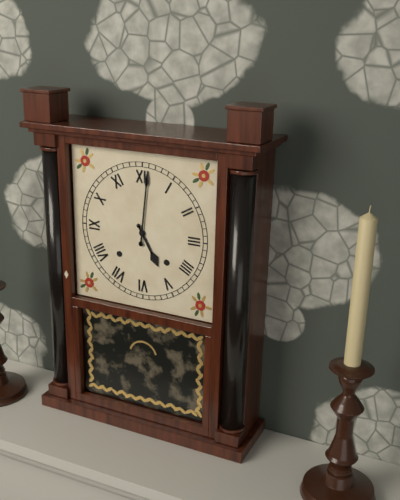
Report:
5:01
